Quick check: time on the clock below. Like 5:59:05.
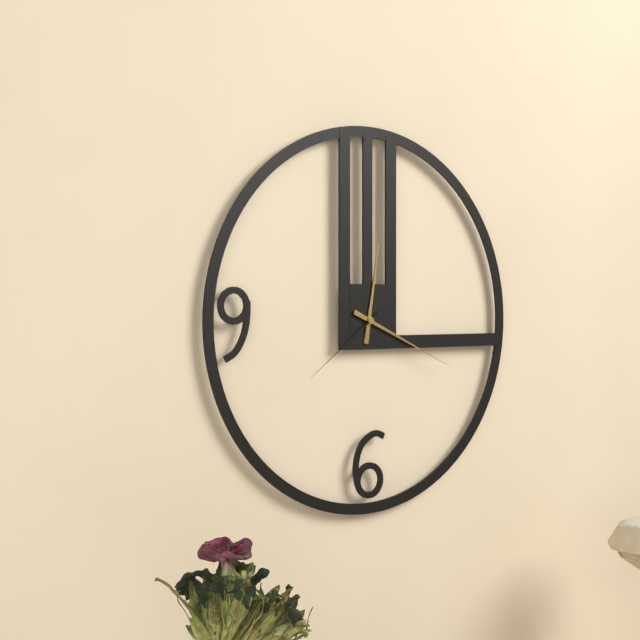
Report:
12:19:39
